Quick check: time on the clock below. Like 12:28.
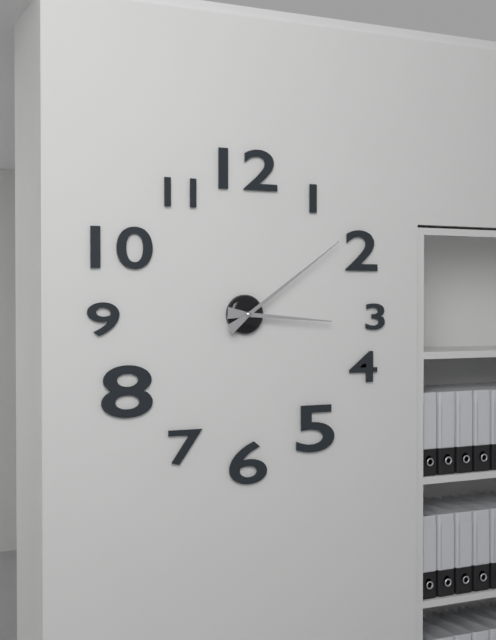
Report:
3:09
